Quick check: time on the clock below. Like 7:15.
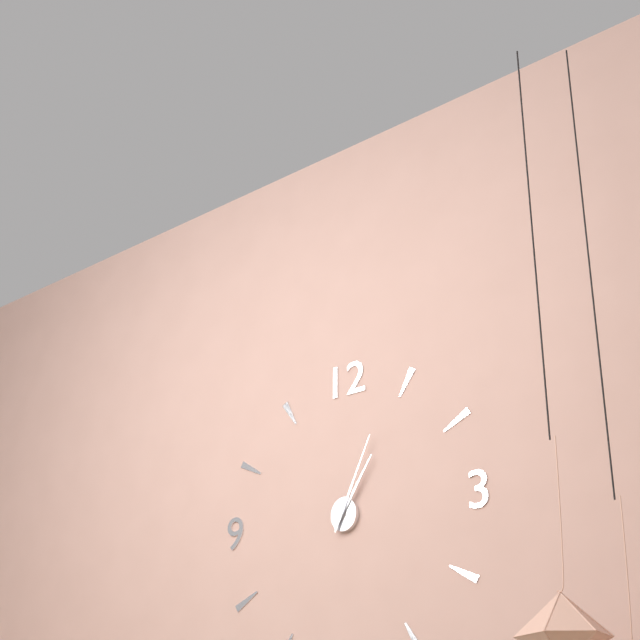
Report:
1:04
